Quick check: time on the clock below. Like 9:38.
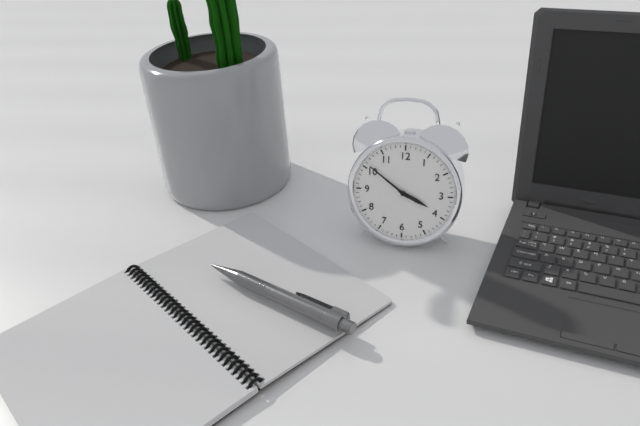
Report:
3:51
